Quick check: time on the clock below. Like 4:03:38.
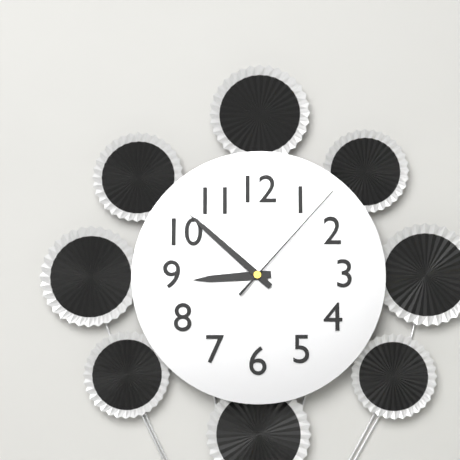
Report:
8:52:07
